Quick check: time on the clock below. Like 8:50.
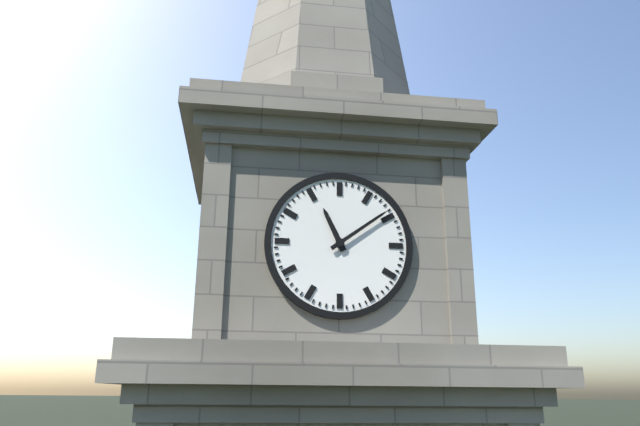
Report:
11:09
